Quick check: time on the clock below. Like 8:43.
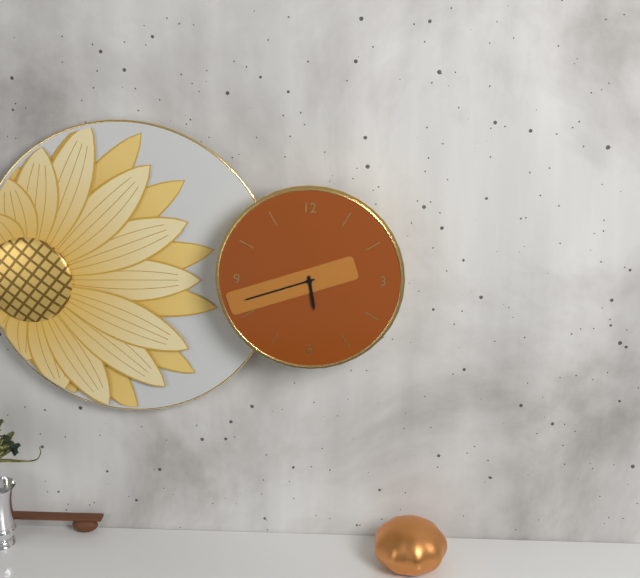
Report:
5:42
